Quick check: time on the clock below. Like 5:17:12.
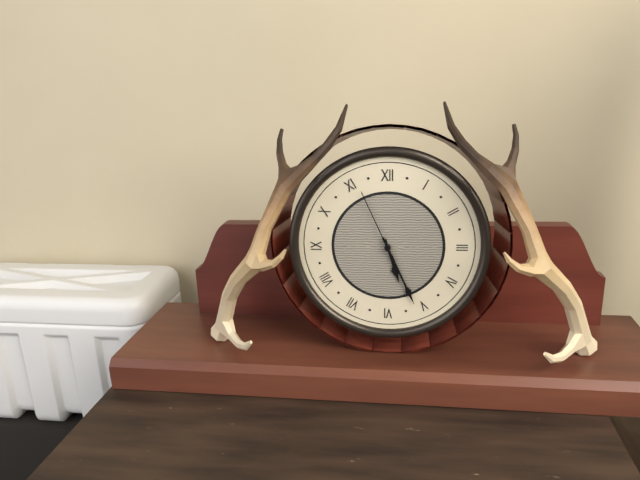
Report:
5:26:56
